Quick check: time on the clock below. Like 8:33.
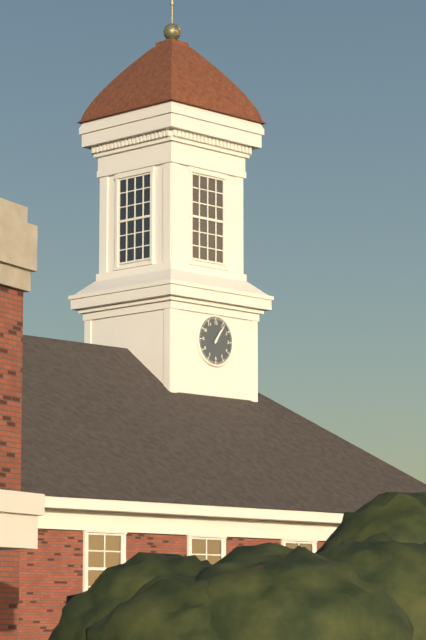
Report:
1:06
